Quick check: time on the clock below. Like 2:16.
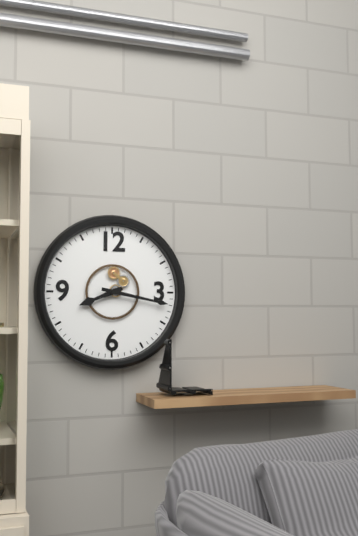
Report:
8:17
